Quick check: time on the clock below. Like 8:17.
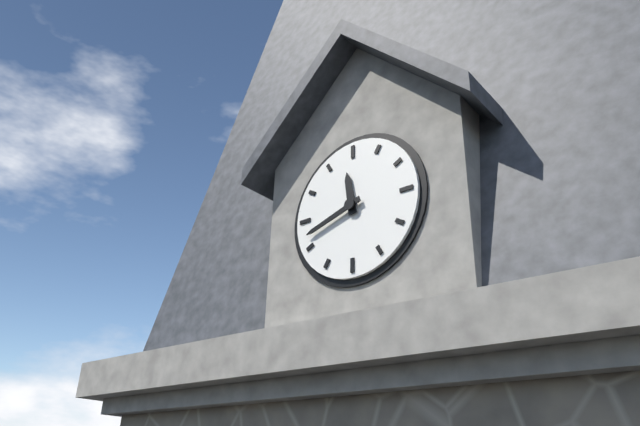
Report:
11:42
